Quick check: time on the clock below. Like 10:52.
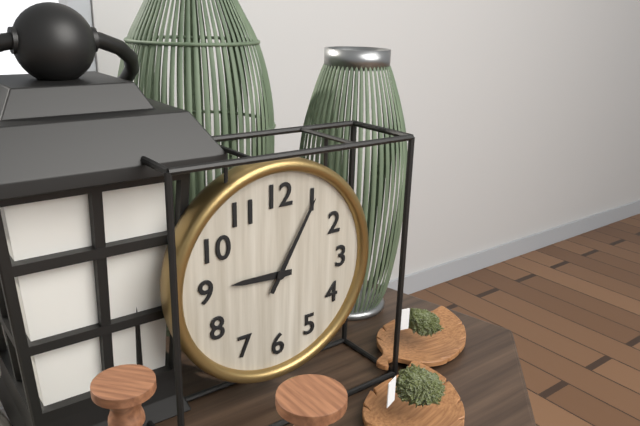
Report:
9:05
